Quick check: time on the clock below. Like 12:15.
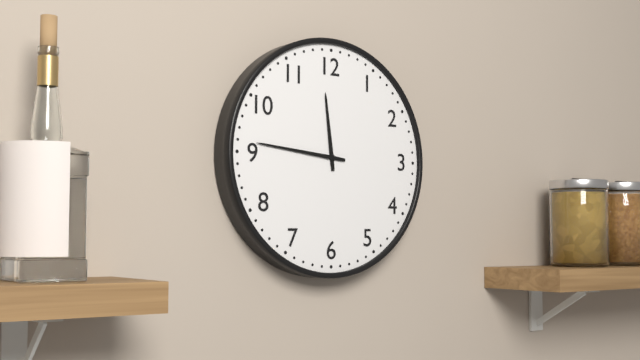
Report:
11:46
